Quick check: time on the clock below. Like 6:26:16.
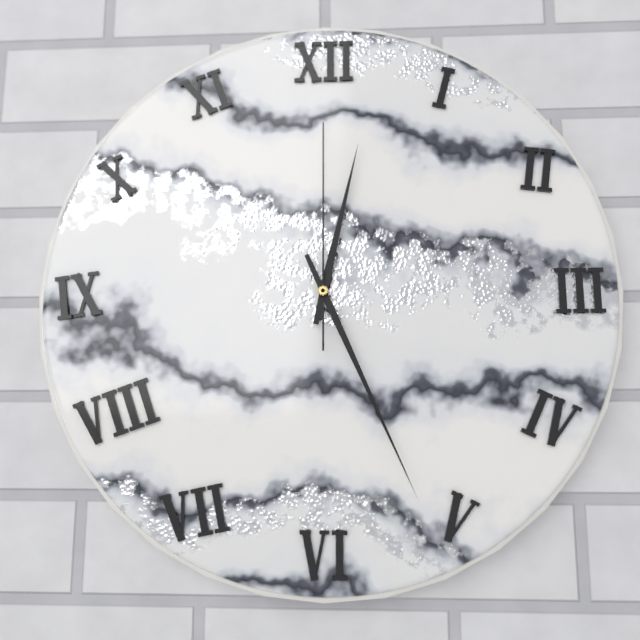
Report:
12:26:00
